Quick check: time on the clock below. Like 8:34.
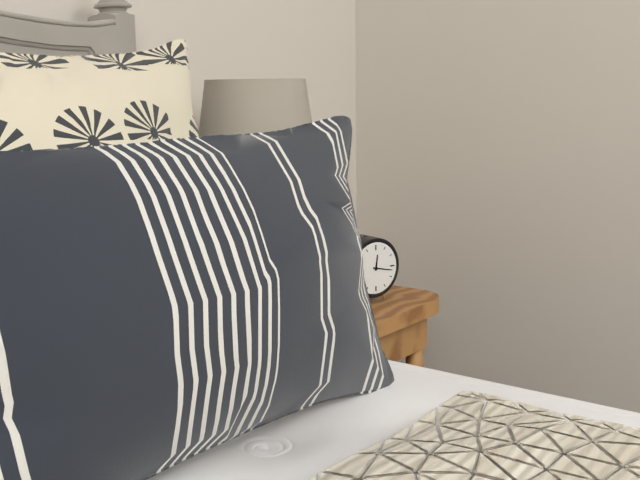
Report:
12:17
